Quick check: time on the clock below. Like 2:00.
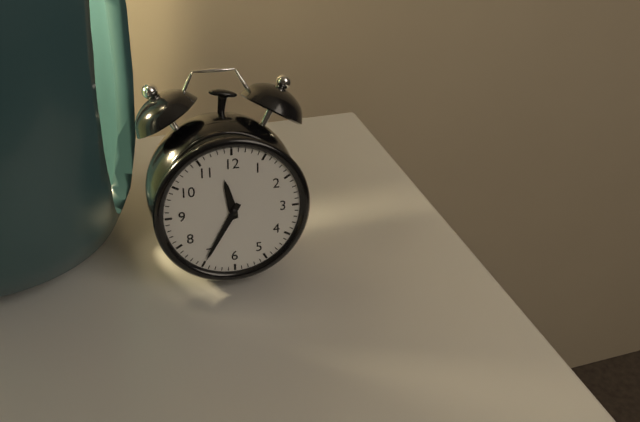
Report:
11:35
